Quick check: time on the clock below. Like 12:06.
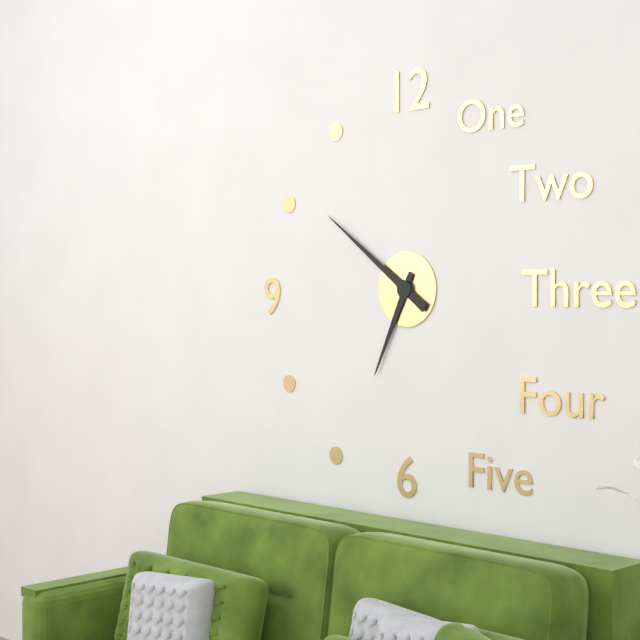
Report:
6:51
